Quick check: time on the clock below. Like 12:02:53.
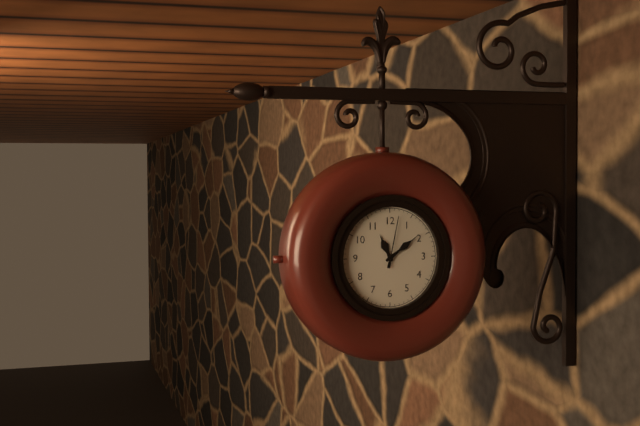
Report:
11:09:02
